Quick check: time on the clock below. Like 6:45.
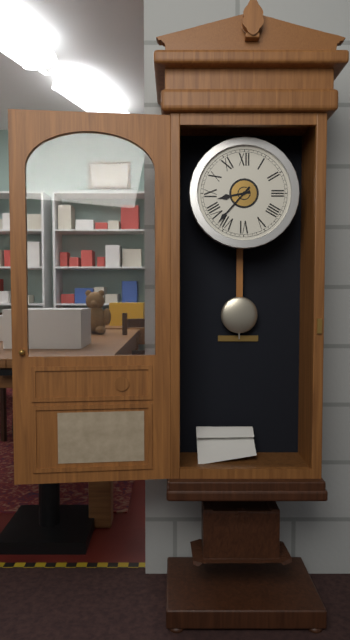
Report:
8:37
